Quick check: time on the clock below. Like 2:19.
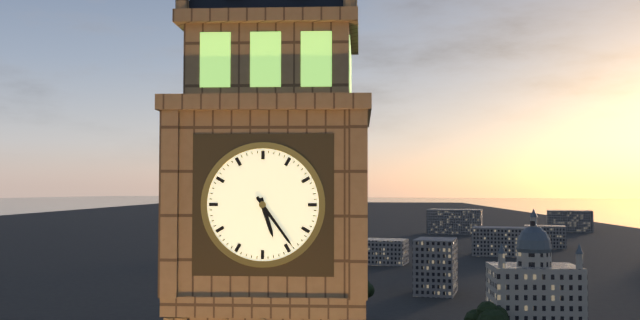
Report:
5:24
